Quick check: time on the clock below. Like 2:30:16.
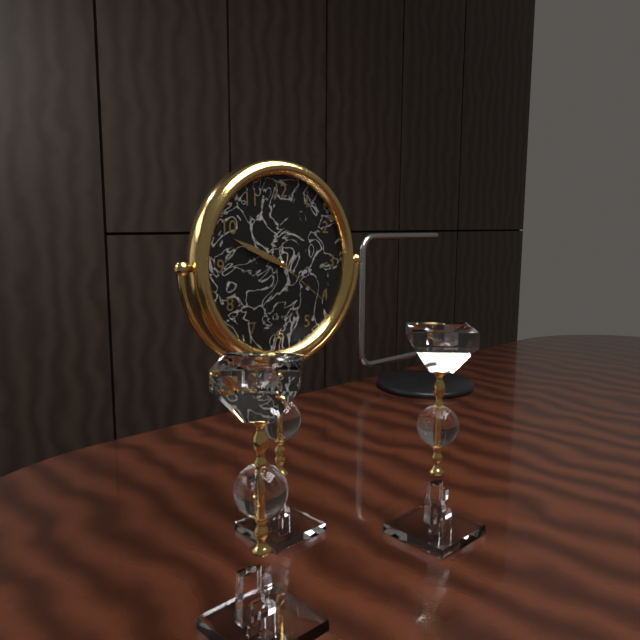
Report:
9:49:21
